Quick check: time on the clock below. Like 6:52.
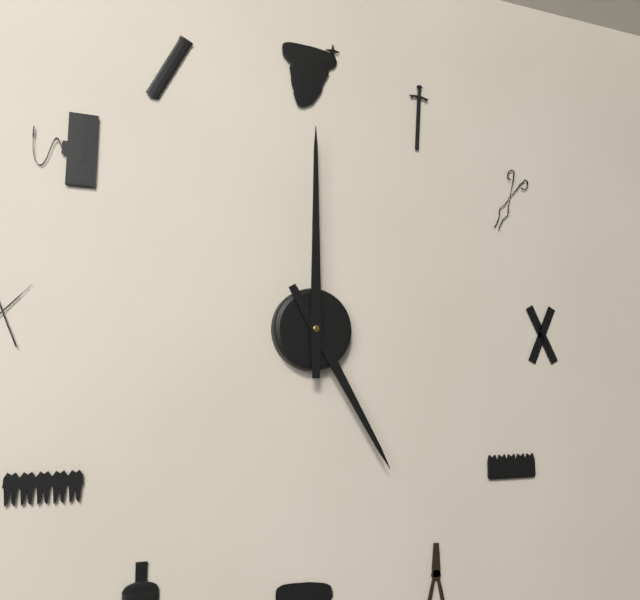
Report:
5:00
